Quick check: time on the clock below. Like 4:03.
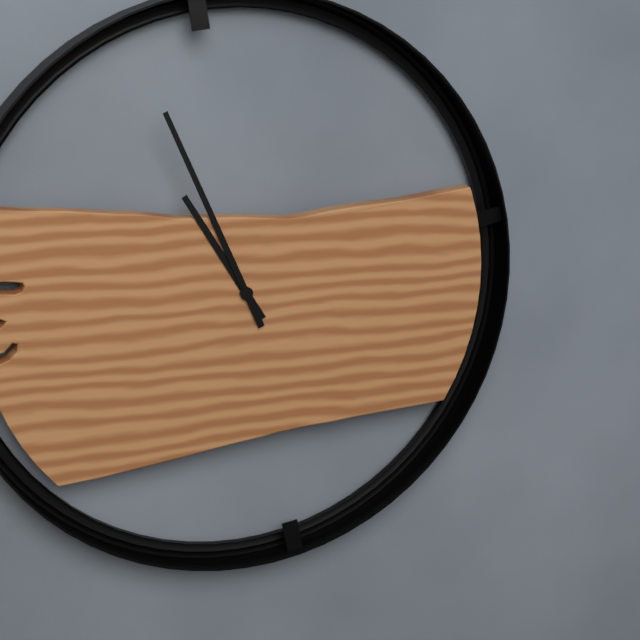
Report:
10:56
